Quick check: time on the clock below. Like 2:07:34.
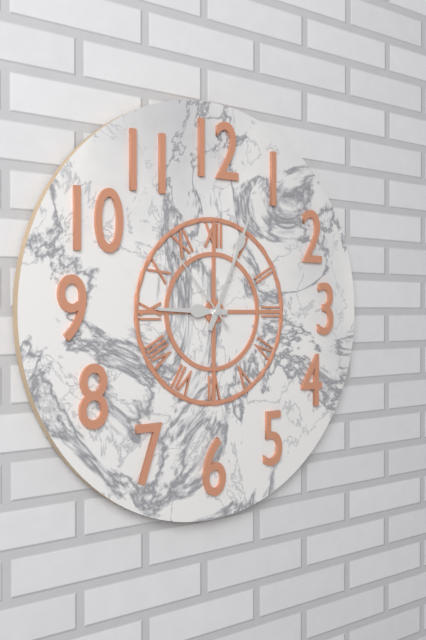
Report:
9:04:53
